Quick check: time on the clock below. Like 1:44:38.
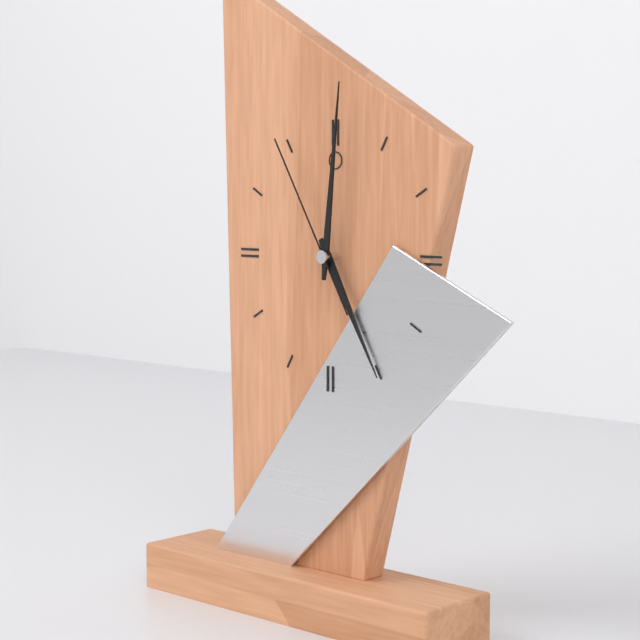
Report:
5:01:55
